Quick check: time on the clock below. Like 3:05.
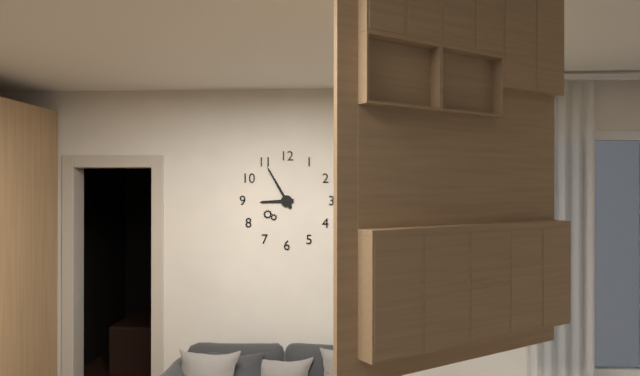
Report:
8:55
